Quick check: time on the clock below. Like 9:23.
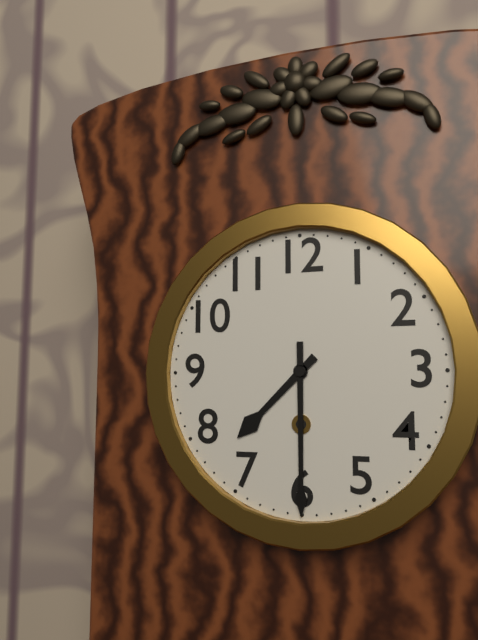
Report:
7:30
